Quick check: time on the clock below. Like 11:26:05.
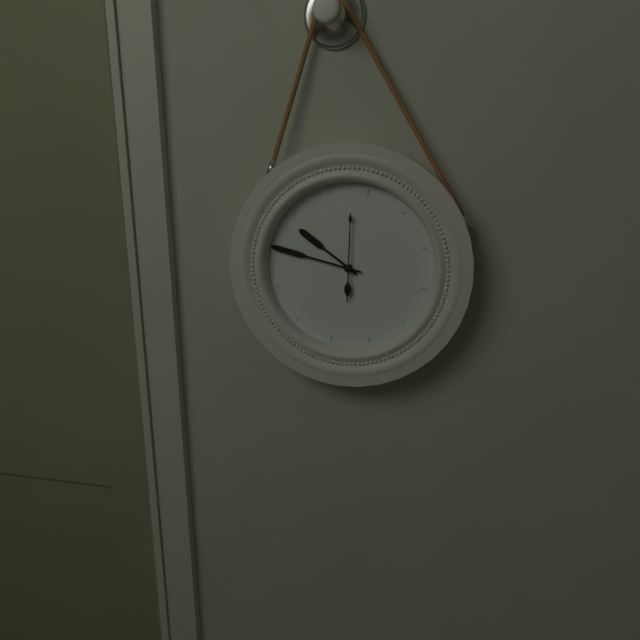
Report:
9:45:58
